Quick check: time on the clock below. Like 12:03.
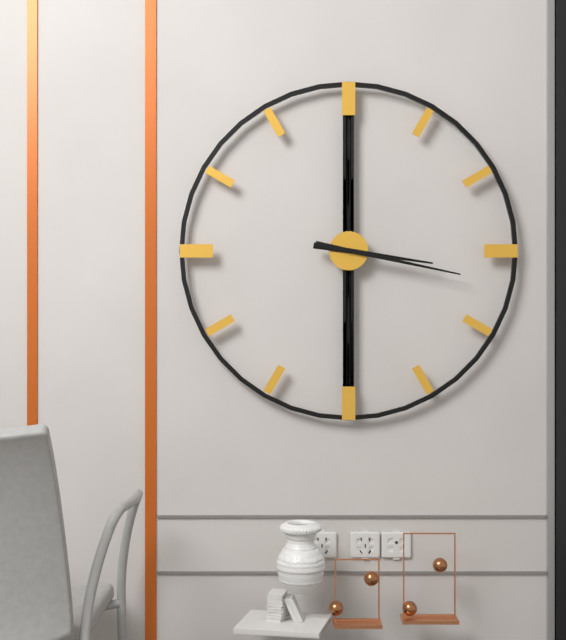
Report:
3:17
